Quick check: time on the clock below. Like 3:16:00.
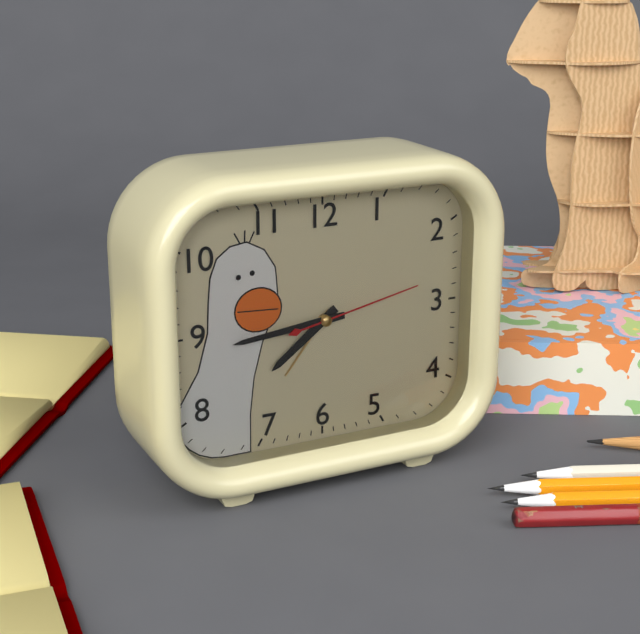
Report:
7:44:13
